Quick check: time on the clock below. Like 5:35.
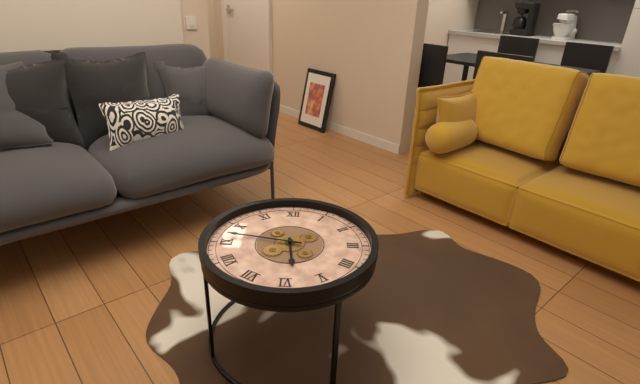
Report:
5:47
